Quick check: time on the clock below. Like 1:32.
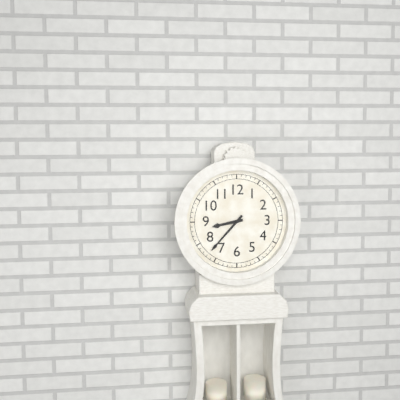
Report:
8:37
